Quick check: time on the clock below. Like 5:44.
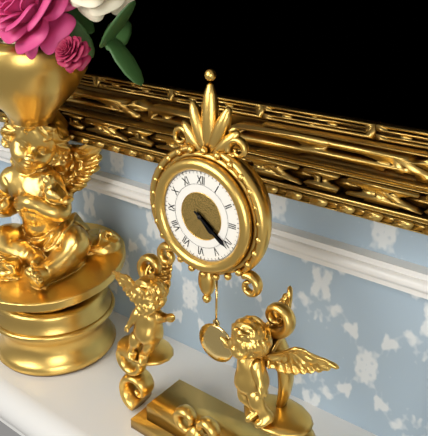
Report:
4:21
